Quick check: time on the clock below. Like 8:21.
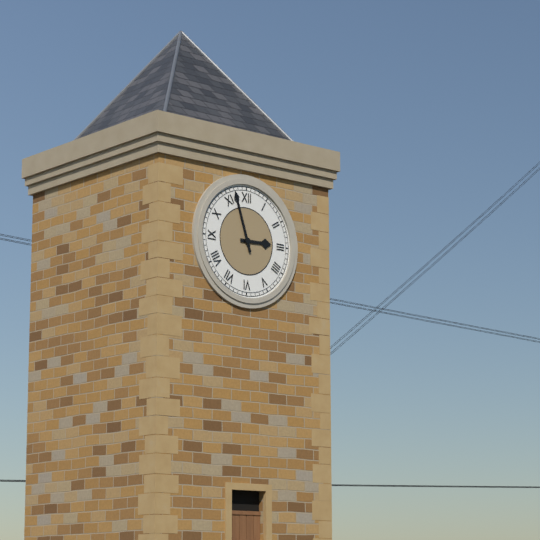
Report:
2:57
